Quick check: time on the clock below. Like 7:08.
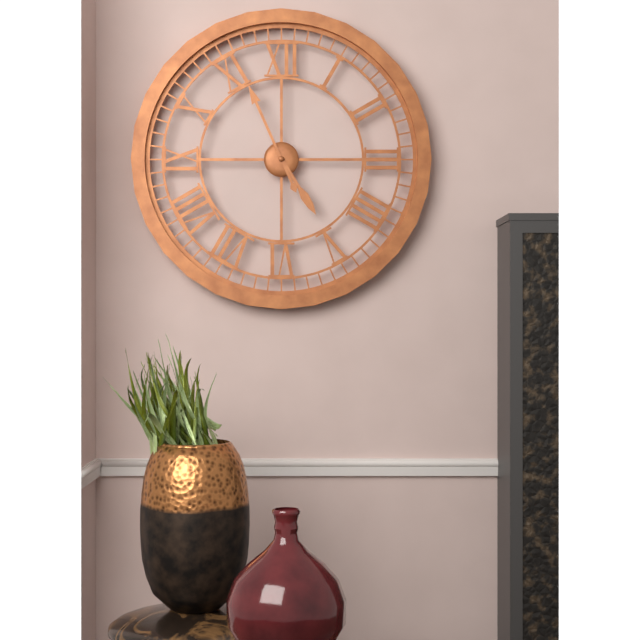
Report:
4:56
